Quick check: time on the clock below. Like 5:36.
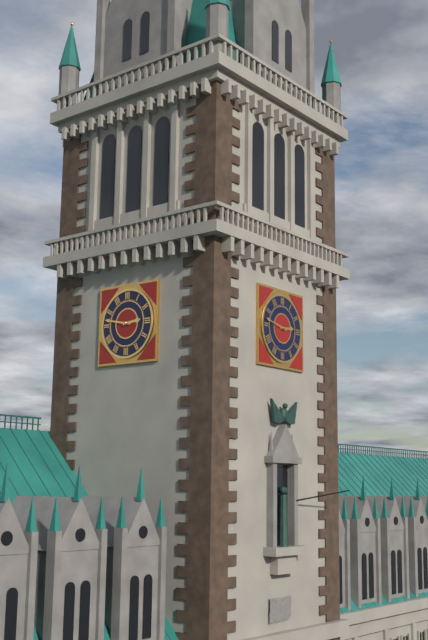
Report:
2:47
